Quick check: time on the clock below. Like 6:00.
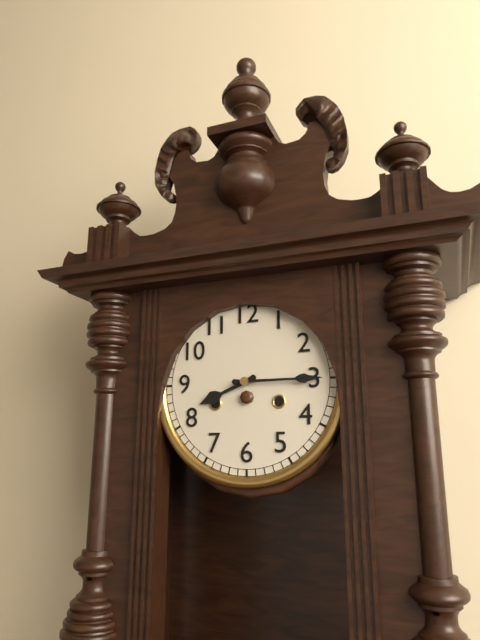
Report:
8:15
